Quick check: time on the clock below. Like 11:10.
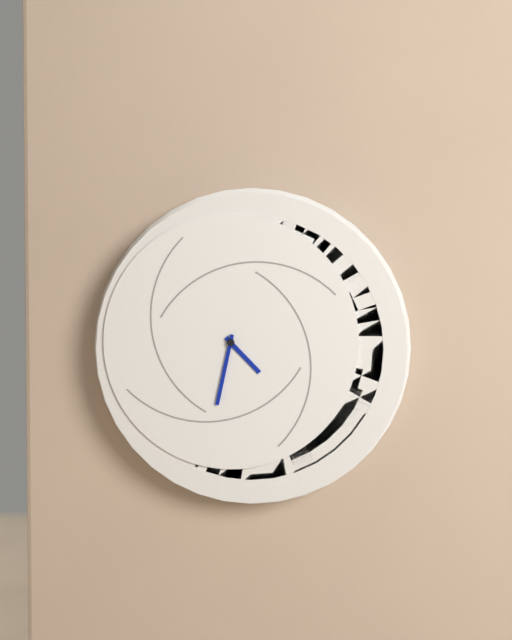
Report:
4:32
